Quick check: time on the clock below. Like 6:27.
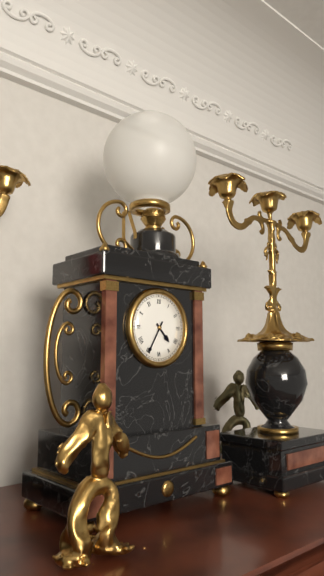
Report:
4:35
